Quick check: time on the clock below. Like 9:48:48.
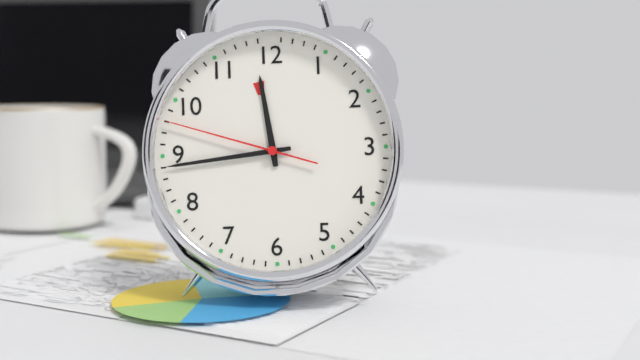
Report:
11:44:48
